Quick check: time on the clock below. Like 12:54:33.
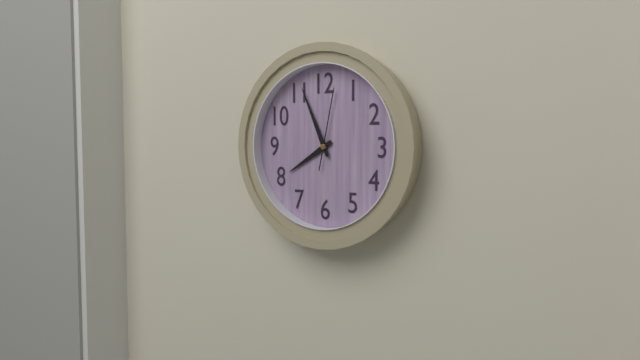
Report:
7:56:02
